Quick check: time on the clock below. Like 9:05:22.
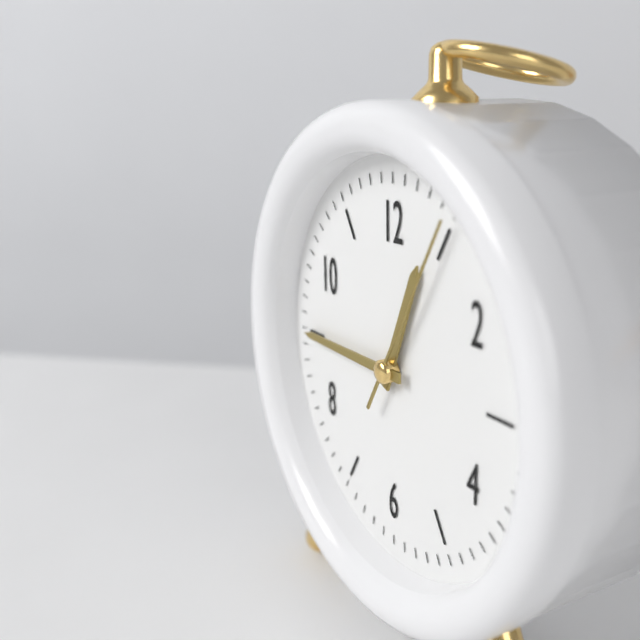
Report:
12:45:05
